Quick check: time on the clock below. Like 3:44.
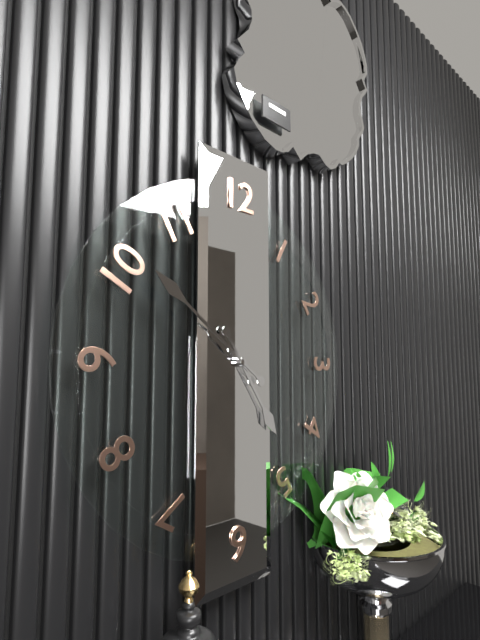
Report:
4:51
